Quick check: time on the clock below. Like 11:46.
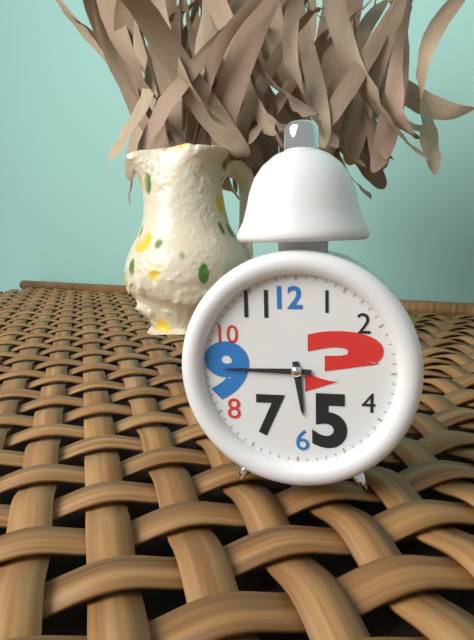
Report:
5:45
